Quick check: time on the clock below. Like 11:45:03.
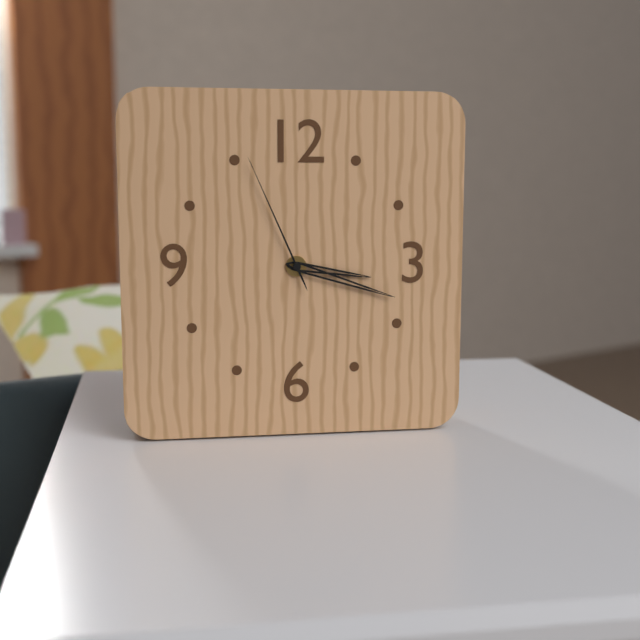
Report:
3:18:56
